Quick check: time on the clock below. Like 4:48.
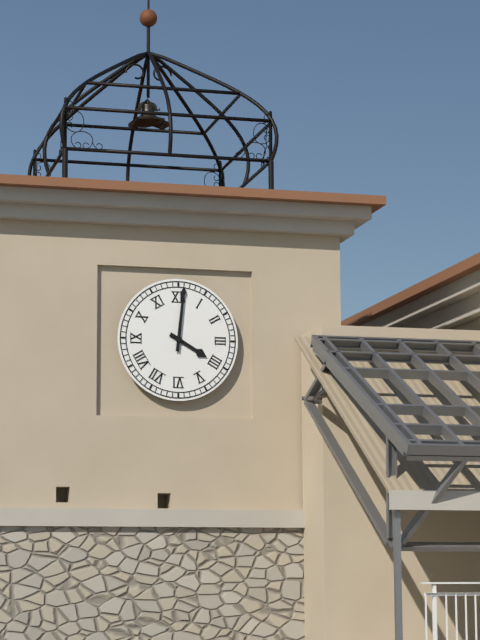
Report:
4:01
